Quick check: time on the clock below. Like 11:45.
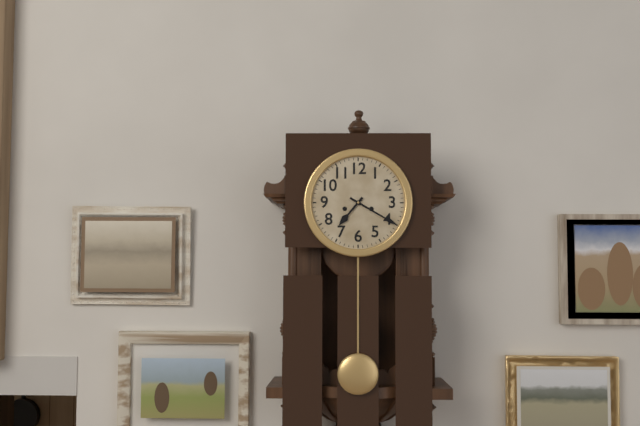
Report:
7:20
